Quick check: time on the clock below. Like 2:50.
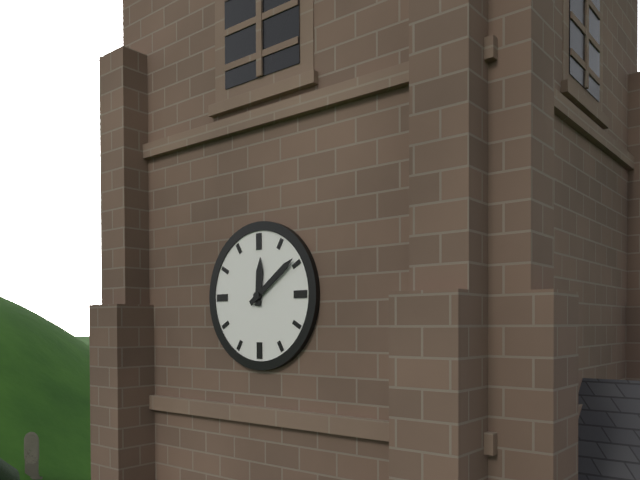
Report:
12:09
